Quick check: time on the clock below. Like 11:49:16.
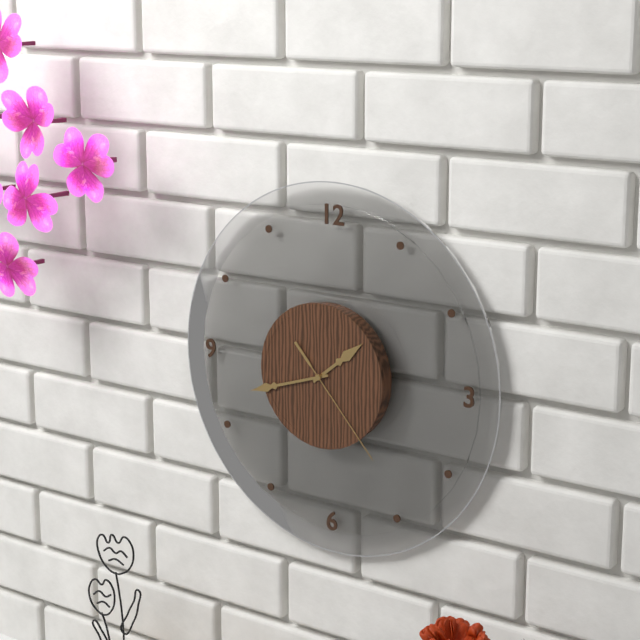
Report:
1:42:23
